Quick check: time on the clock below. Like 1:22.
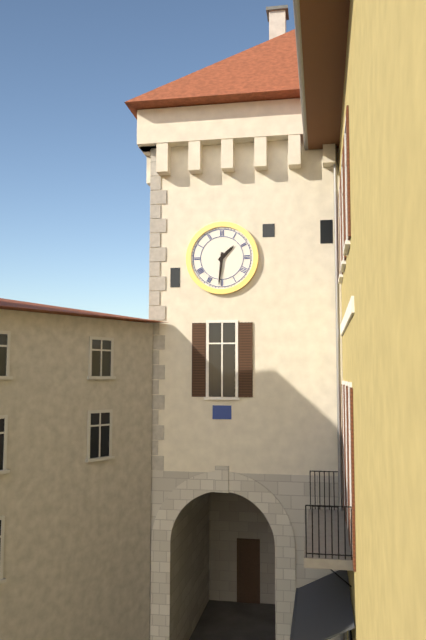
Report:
1:31
